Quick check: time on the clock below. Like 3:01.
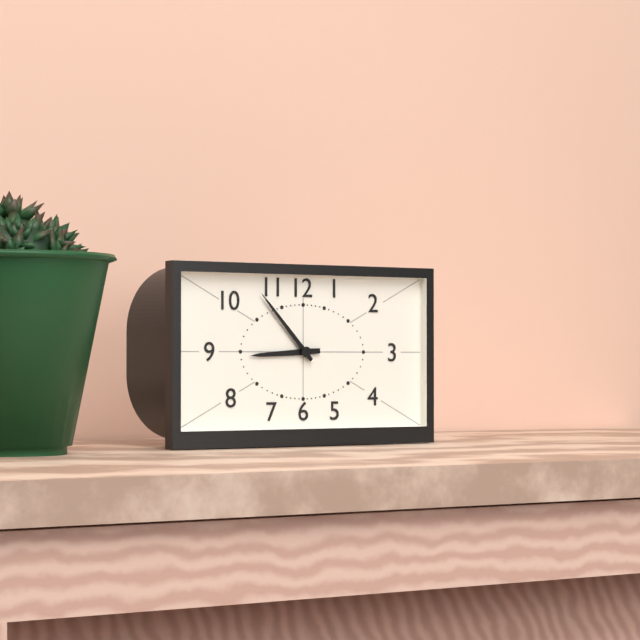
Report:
8:53
